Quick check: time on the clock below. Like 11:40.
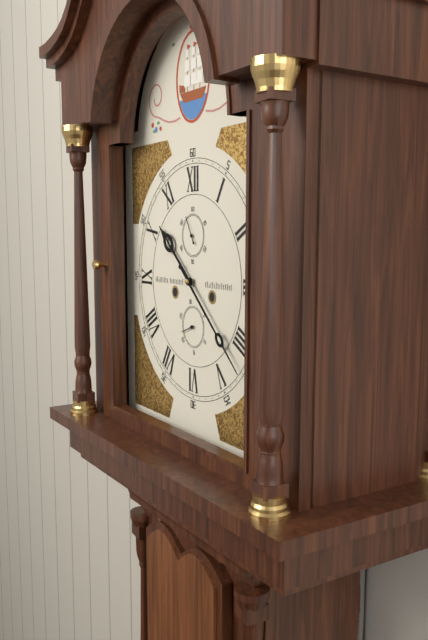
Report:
10:22
